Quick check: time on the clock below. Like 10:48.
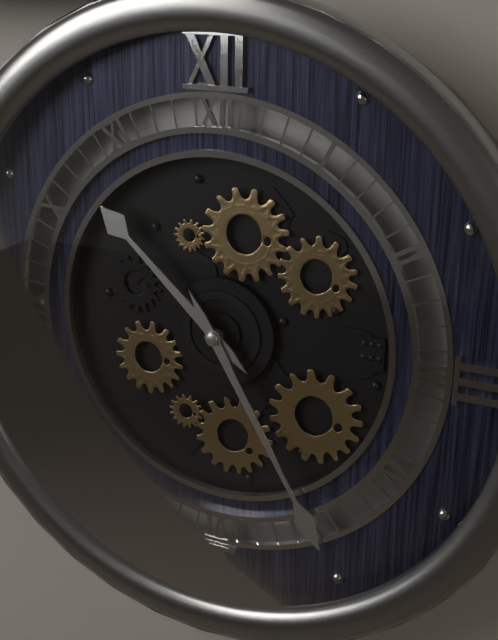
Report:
10:25
